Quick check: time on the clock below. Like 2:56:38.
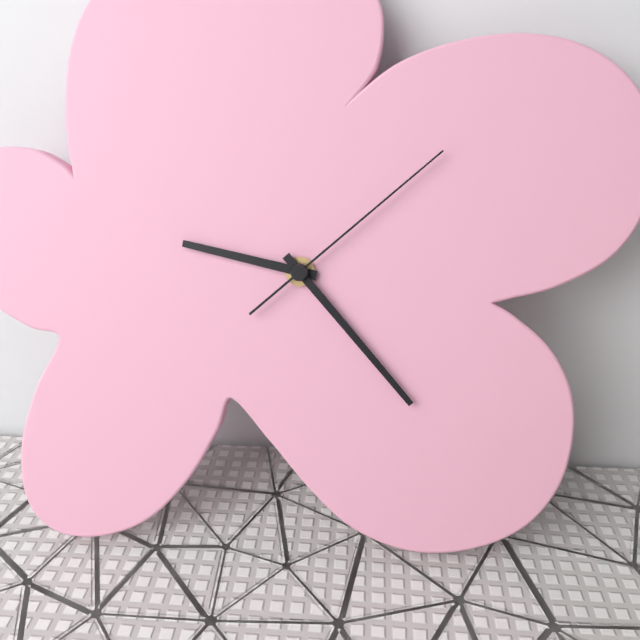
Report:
9:23:08
